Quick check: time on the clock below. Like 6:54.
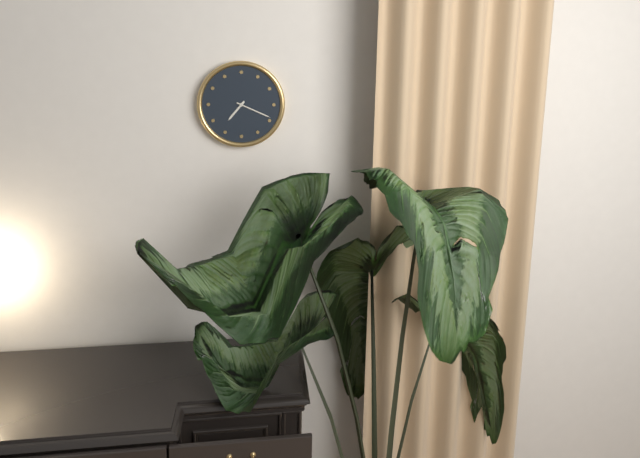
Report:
7:19
